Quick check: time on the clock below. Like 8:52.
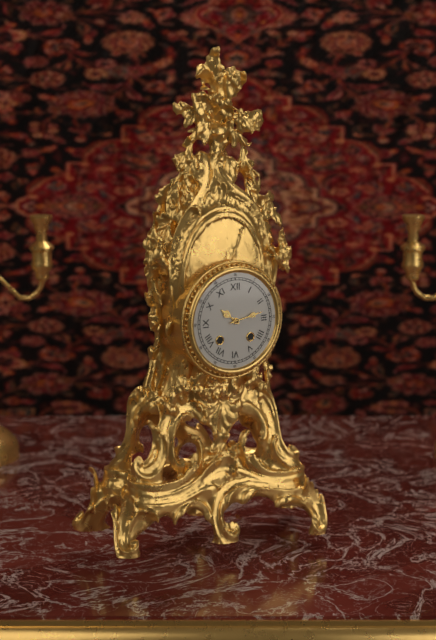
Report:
10:13
